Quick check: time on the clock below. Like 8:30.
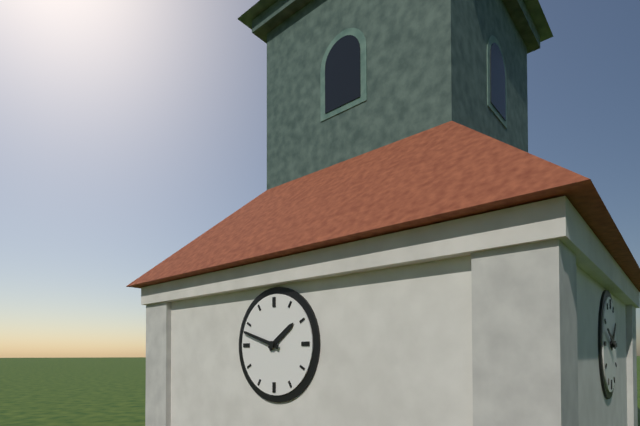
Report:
1:48
